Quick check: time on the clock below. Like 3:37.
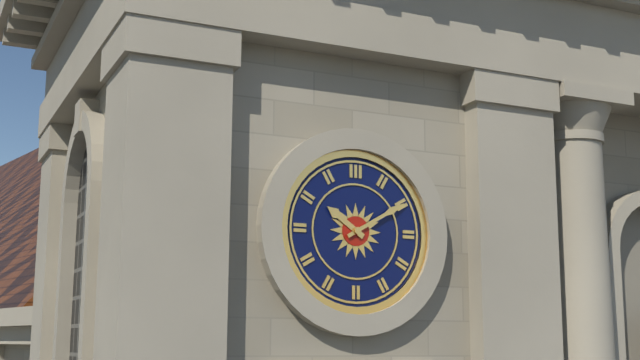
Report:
10:10
